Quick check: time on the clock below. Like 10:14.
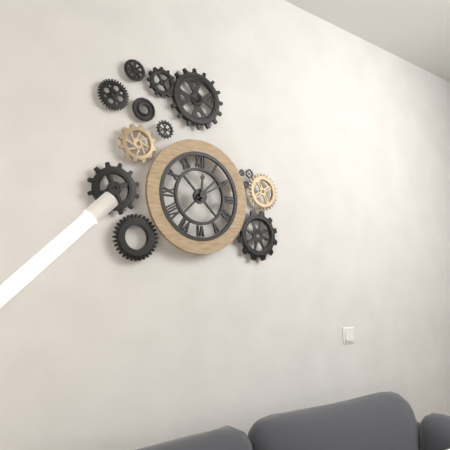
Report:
12:10
